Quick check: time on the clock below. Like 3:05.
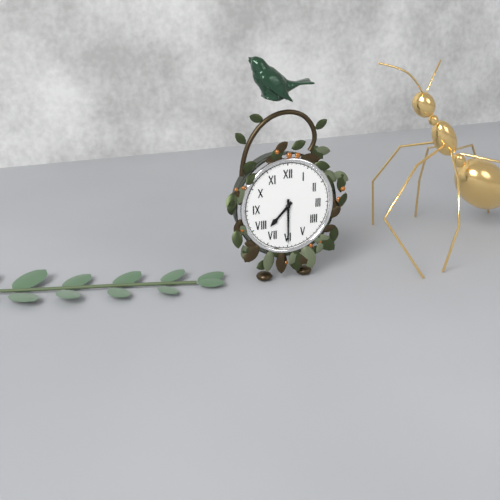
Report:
7:30
